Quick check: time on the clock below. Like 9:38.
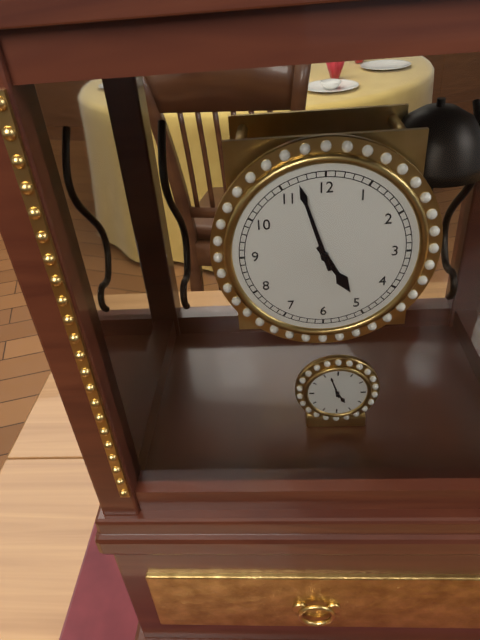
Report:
4:57
